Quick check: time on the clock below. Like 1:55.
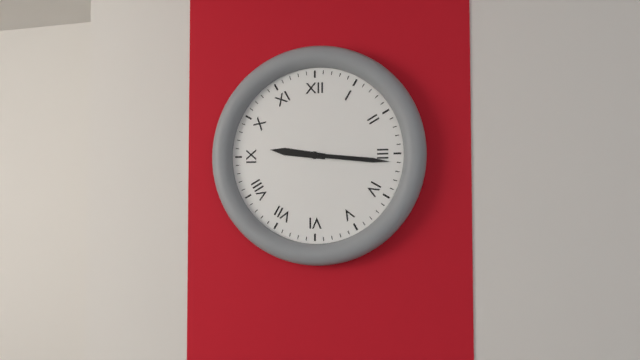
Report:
9:16
